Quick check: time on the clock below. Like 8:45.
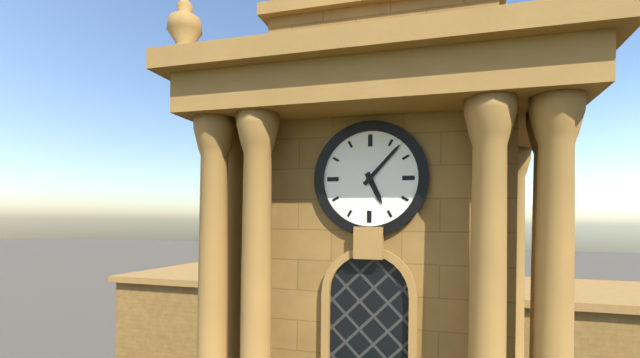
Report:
5:07
